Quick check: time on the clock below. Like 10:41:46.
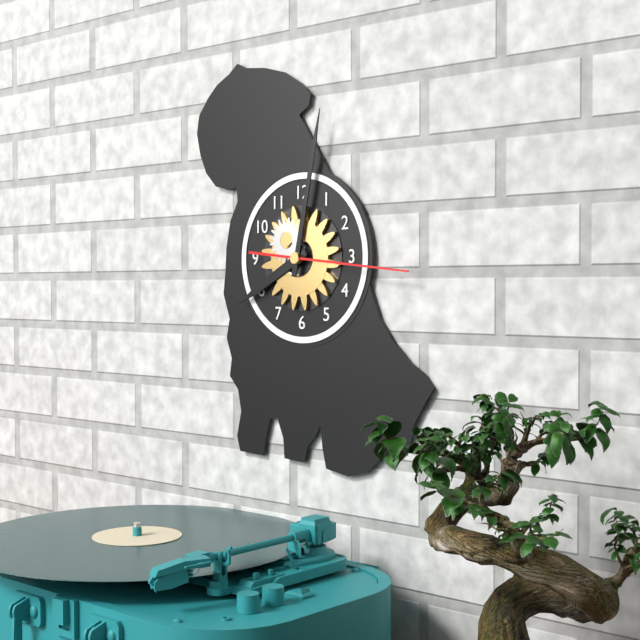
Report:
8:02:16
